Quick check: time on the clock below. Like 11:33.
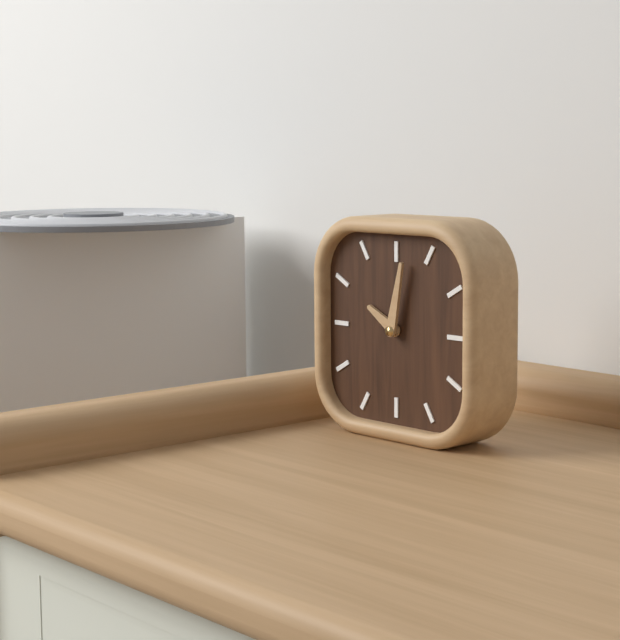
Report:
10:02
